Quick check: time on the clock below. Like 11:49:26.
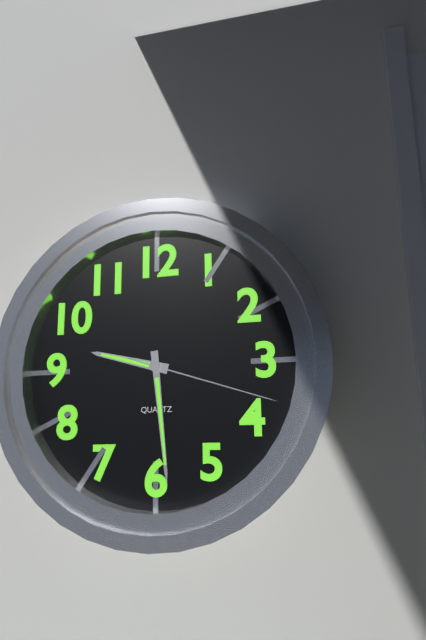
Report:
9:29:18
